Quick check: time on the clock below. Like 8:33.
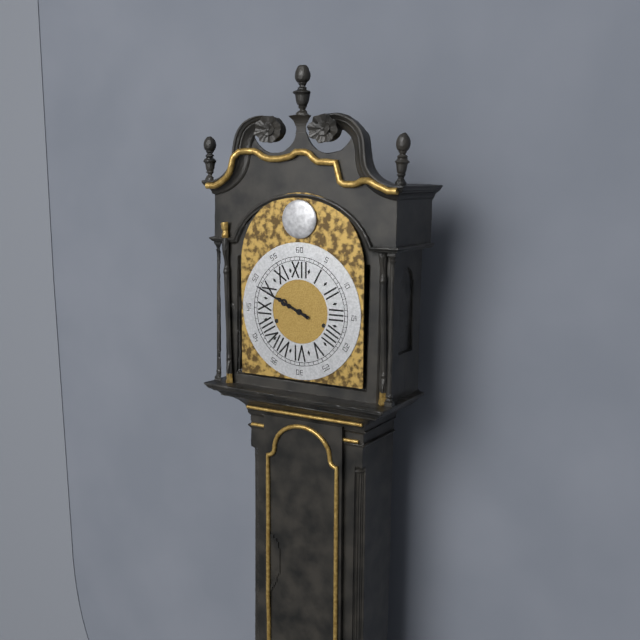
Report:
9:49
